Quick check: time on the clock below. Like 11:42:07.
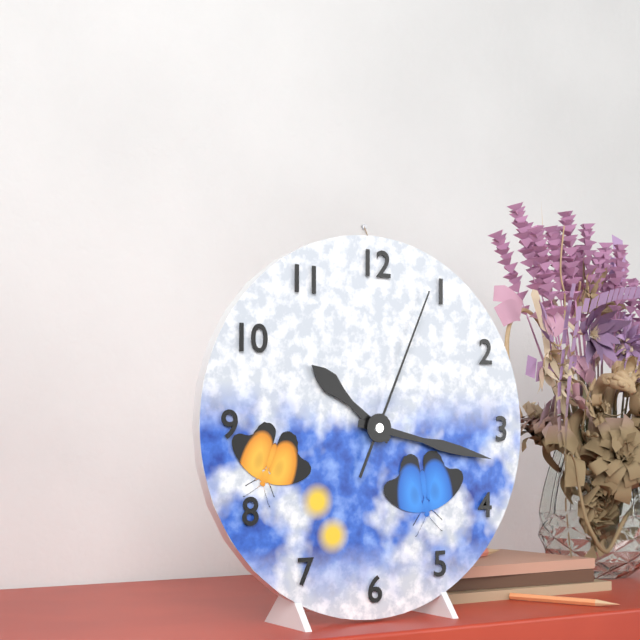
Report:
10:17:04
